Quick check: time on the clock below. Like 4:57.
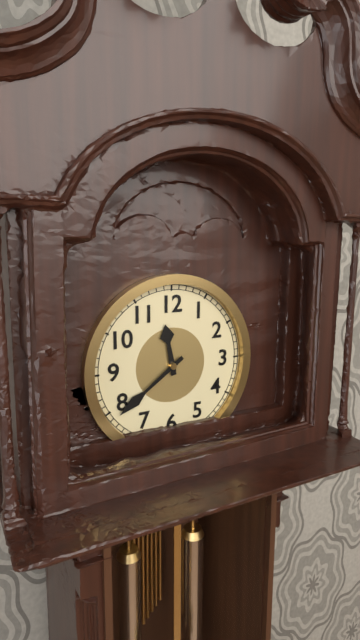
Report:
11:39
